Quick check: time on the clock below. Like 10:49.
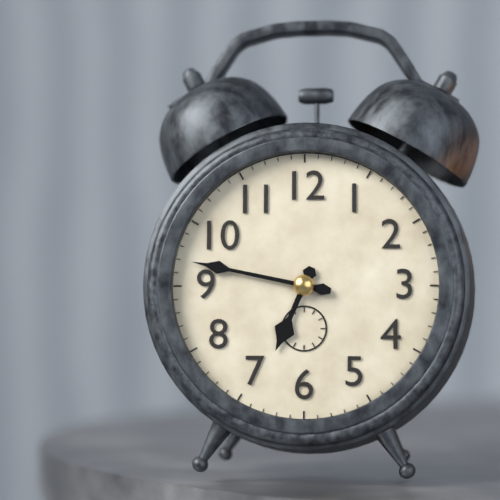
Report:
6:47
